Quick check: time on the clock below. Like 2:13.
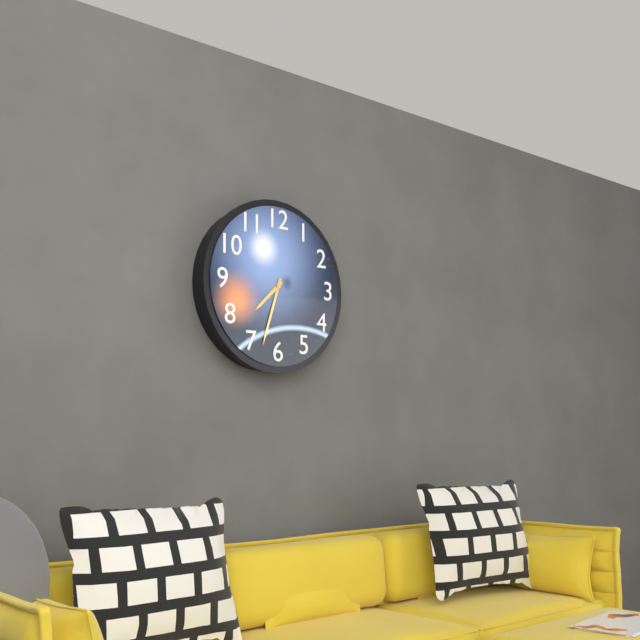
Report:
7:33
